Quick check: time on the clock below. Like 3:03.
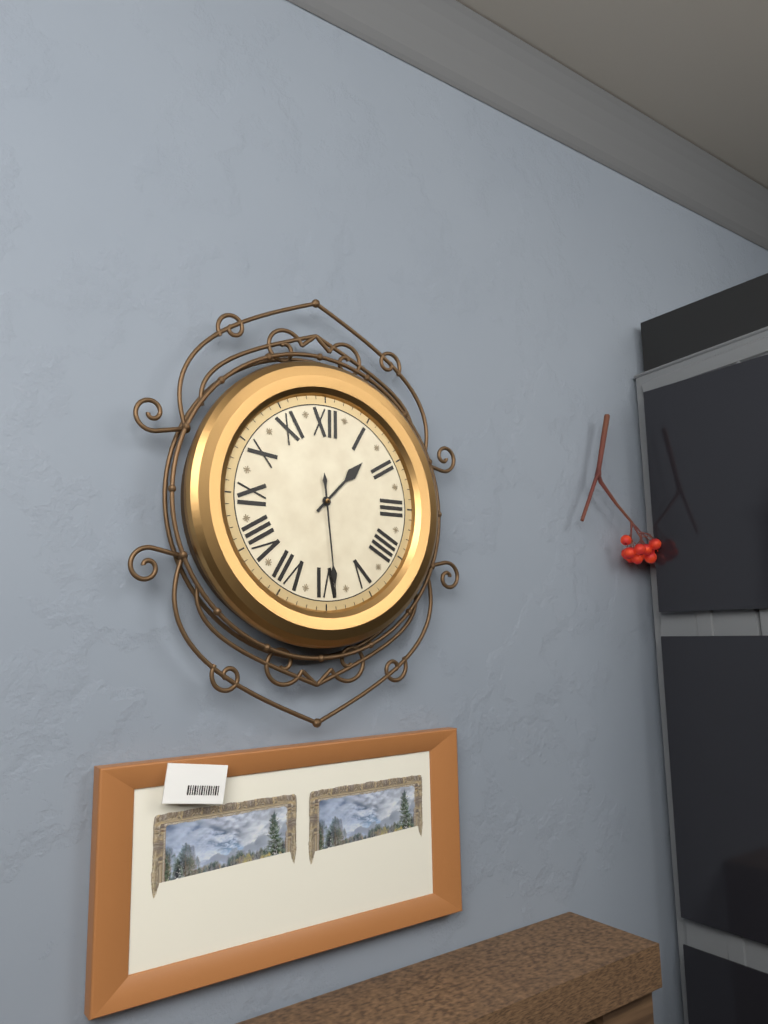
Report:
1:29
